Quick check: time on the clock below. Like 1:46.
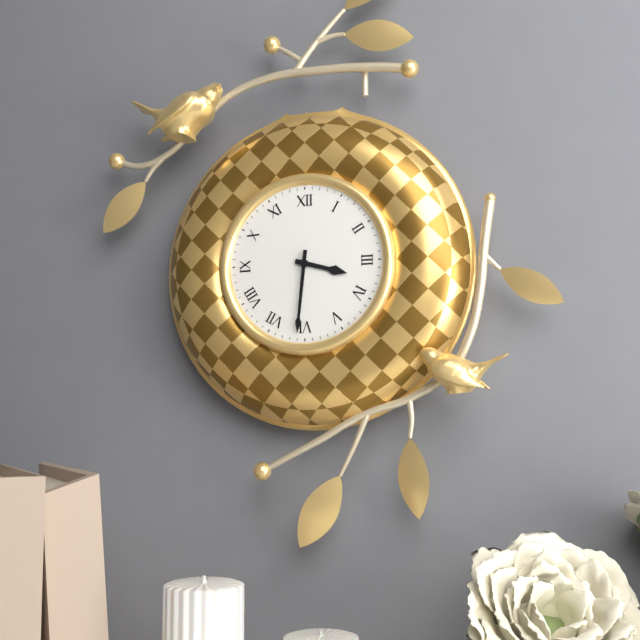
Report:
3:31
